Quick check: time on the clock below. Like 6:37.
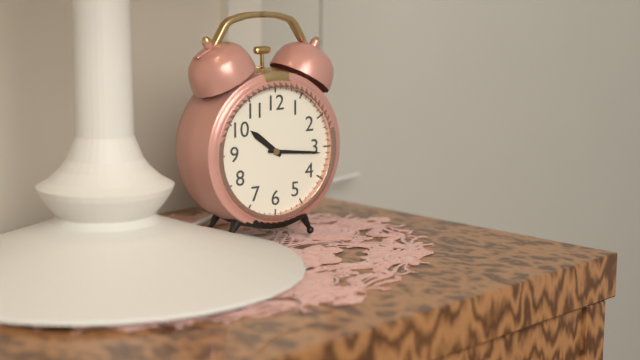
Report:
10:16
